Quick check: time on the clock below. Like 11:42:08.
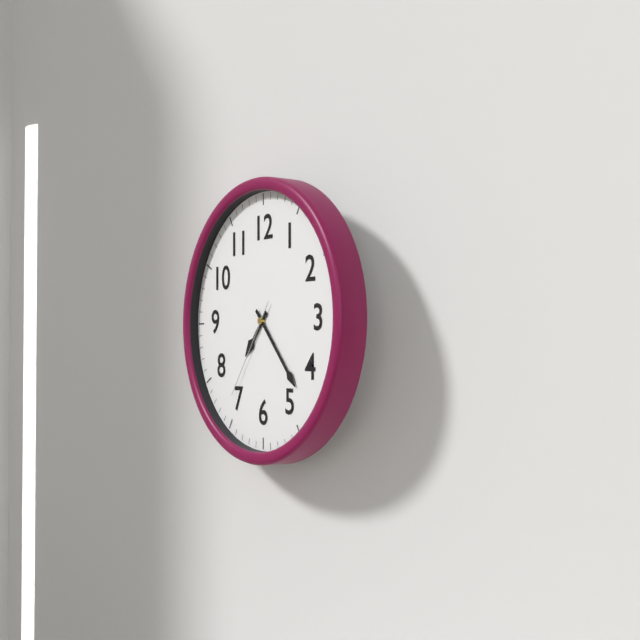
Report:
7:23:36
